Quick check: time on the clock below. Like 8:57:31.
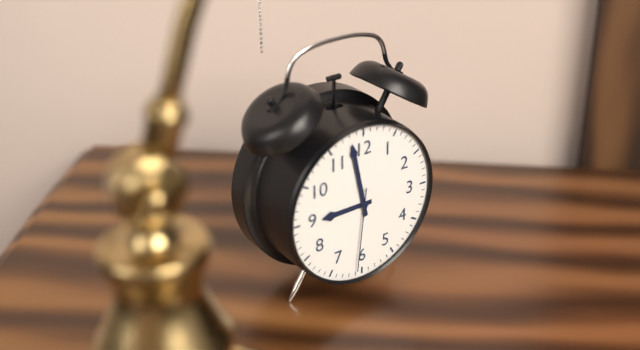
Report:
8:58:31
